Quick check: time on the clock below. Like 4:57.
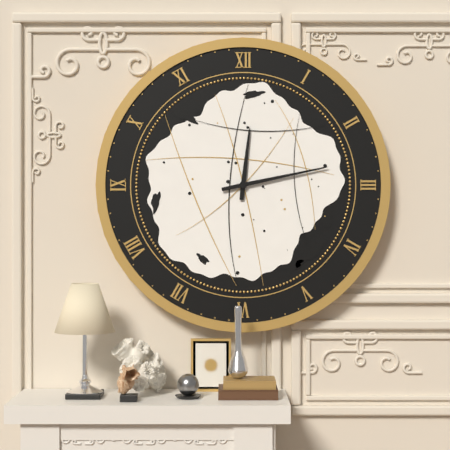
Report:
12:13
